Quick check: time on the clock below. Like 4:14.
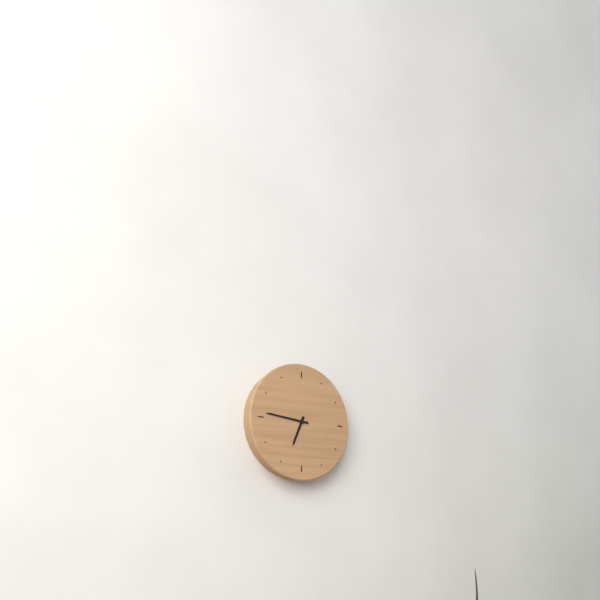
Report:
6:46
